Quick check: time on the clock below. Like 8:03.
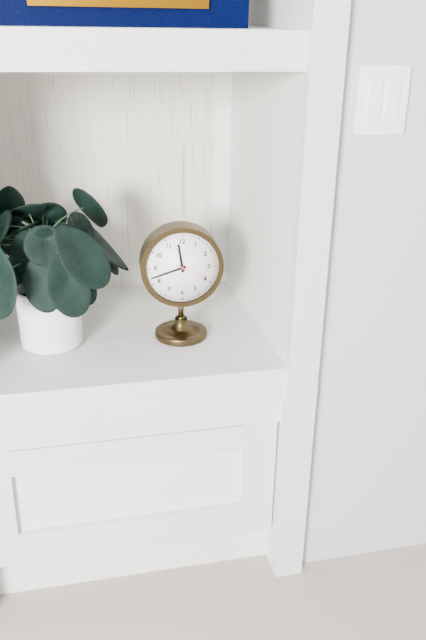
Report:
11:42
